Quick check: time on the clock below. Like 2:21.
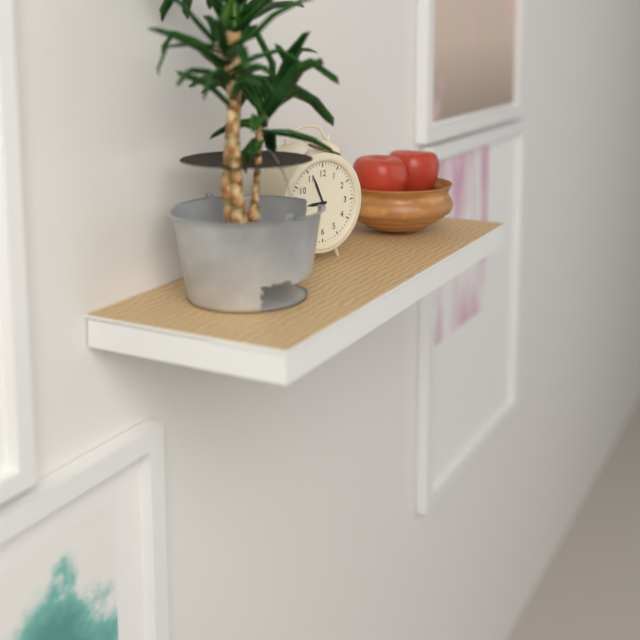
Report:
8:56
